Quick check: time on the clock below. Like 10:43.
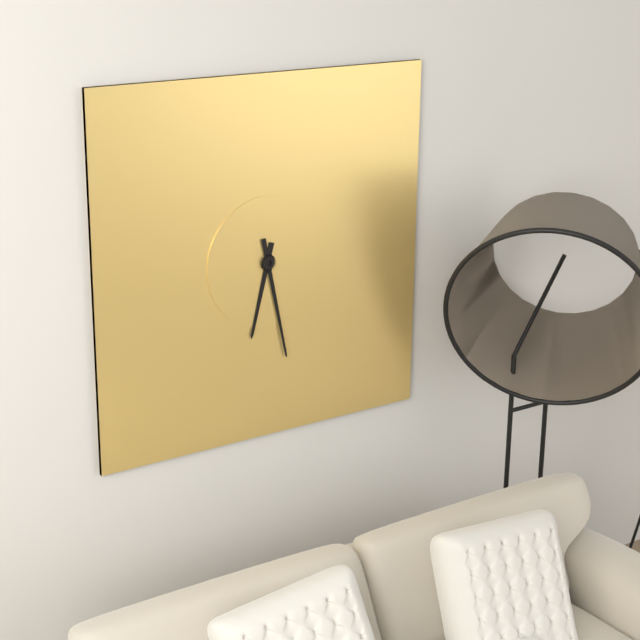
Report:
6:28
